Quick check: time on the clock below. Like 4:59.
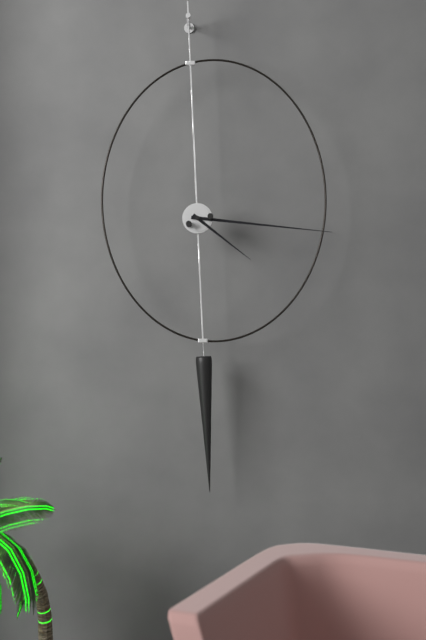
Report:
4:16
